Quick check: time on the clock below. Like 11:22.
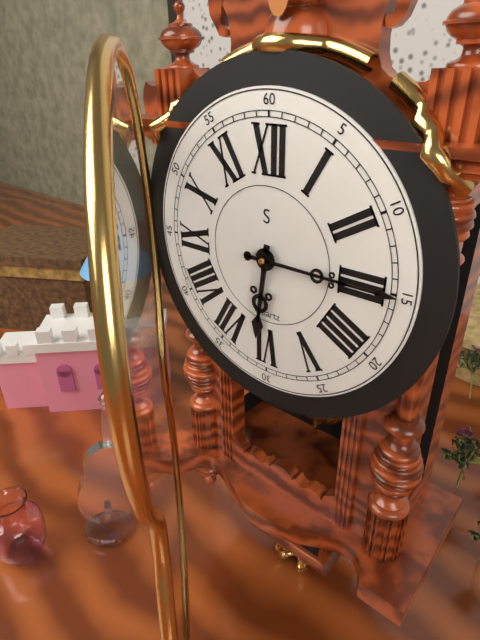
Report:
6:15
